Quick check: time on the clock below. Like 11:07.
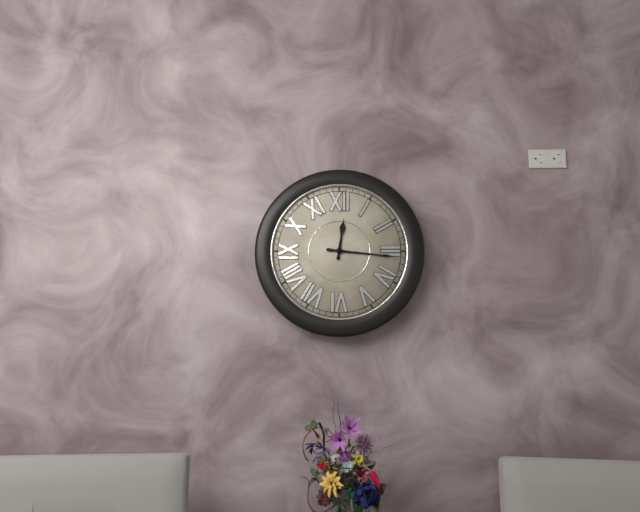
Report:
12:16
